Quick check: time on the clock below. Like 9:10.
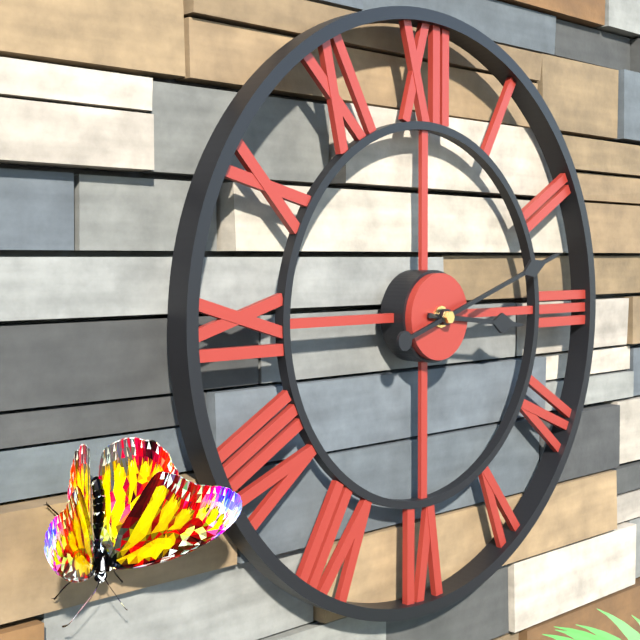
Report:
3:12
